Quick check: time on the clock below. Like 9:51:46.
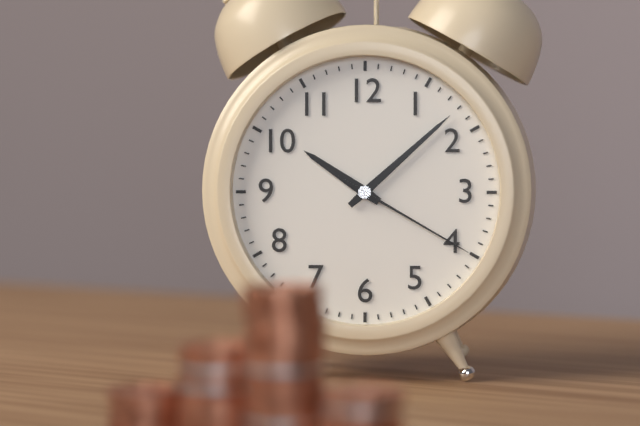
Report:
10:08:20
